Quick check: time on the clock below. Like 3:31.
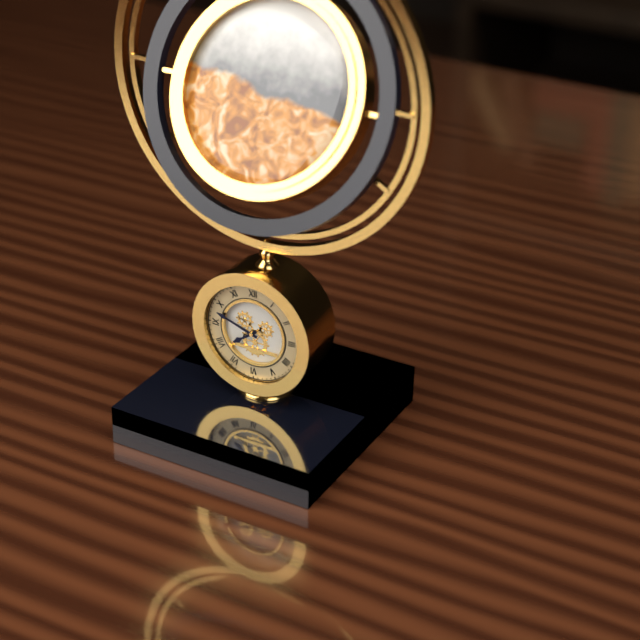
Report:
7:48
